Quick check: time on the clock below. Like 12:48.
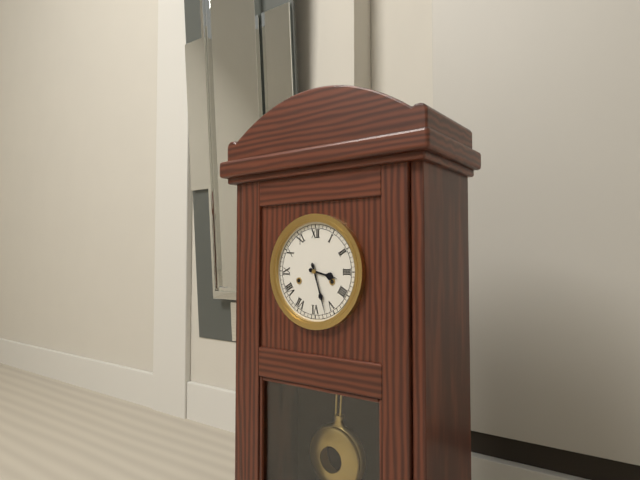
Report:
3:27
